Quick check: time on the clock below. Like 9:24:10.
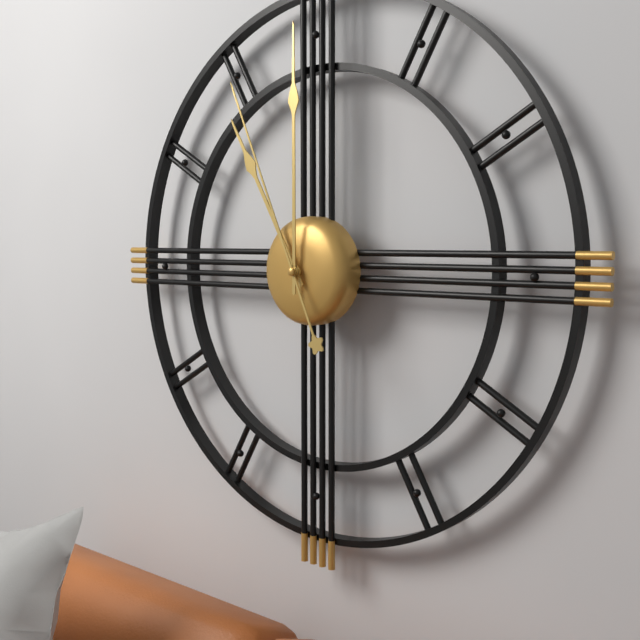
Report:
11:00:56
